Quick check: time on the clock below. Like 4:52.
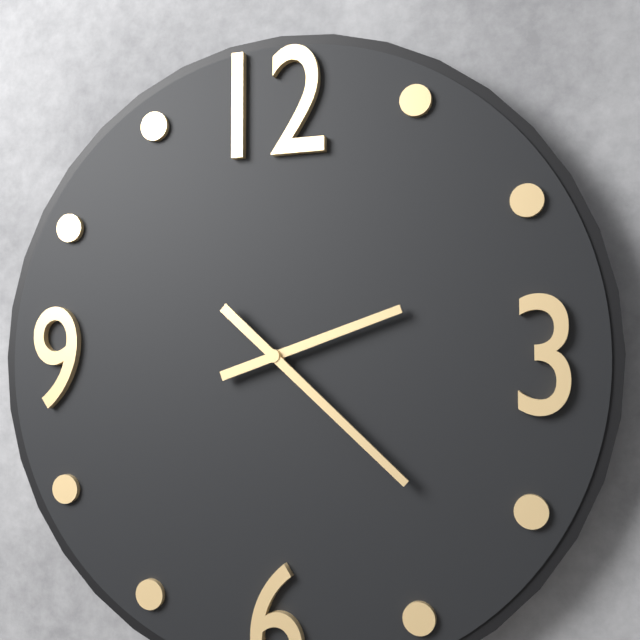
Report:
2:22
